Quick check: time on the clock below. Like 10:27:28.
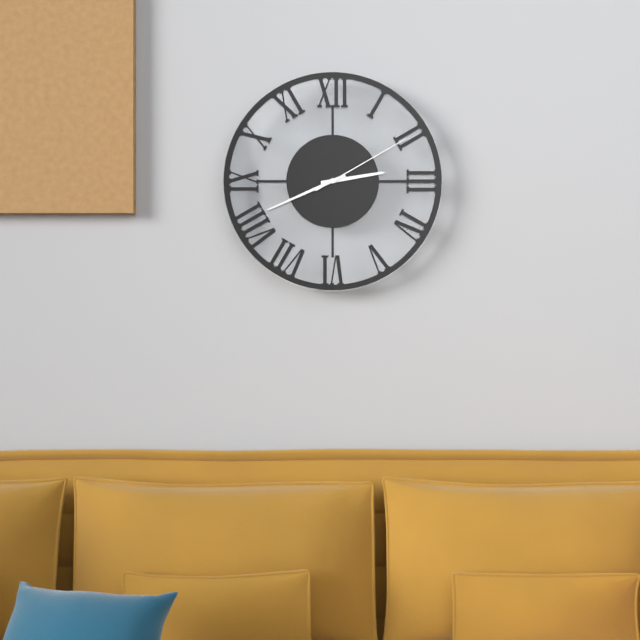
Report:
2:41:10
